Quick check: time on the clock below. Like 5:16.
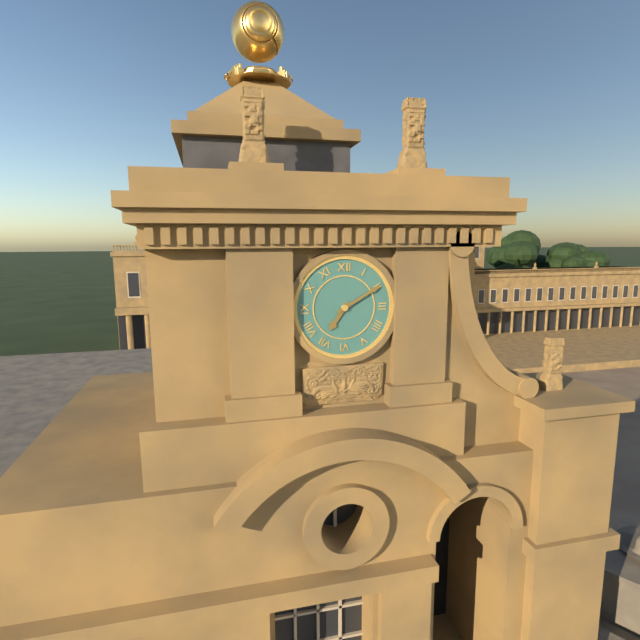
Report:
7:10
